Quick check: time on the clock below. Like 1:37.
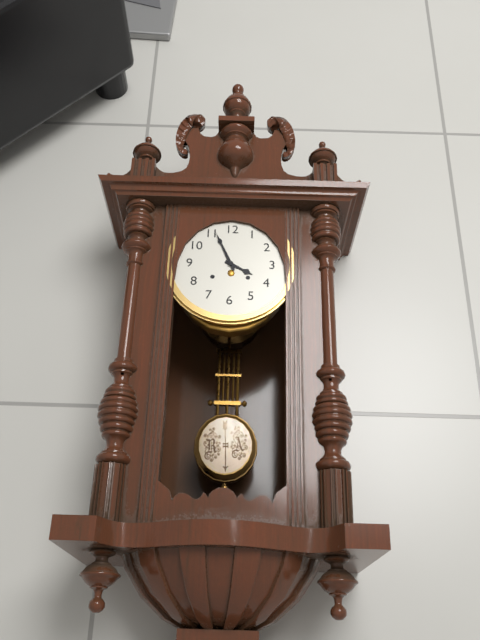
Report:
3:56
